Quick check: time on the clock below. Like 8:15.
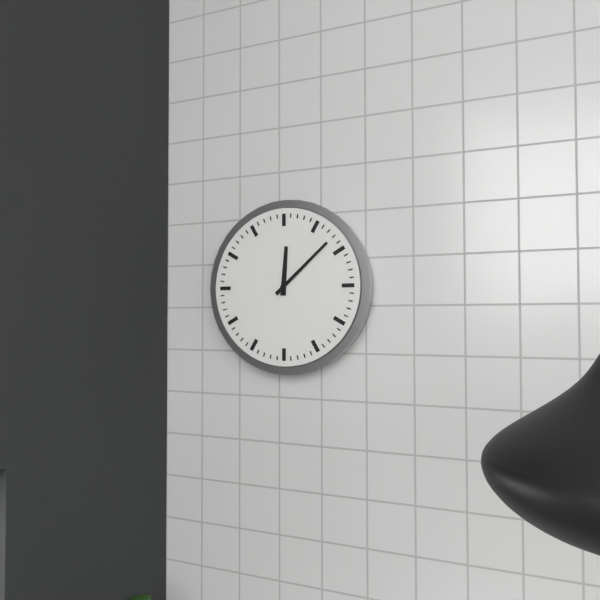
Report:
12:08
